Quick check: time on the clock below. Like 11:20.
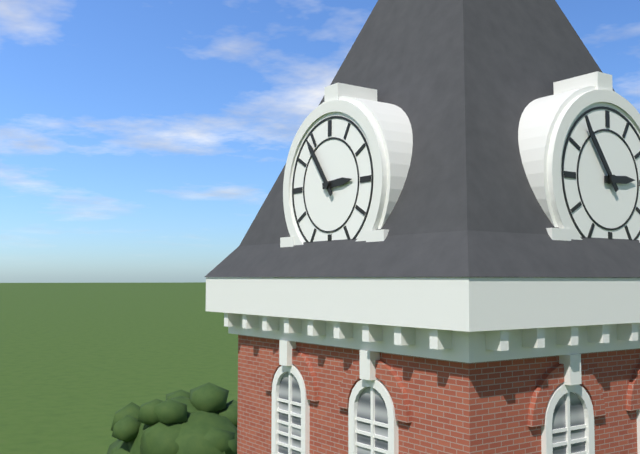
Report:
2:54
